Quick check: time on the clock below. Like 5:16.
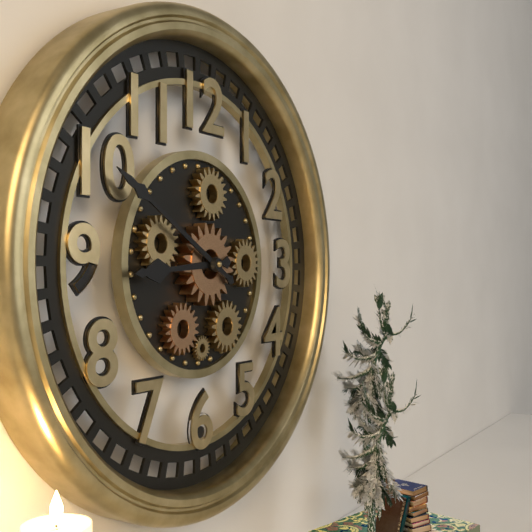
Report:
8:50
